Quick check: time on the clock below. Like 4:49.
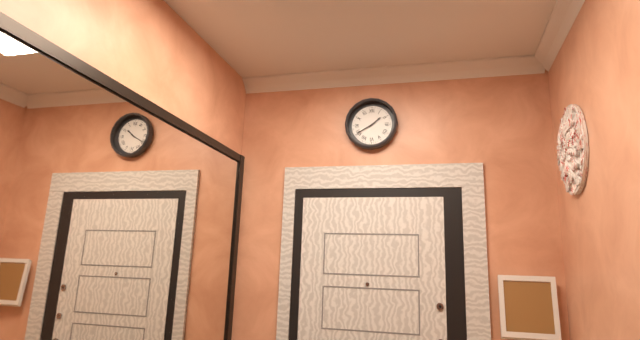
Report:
1:40
